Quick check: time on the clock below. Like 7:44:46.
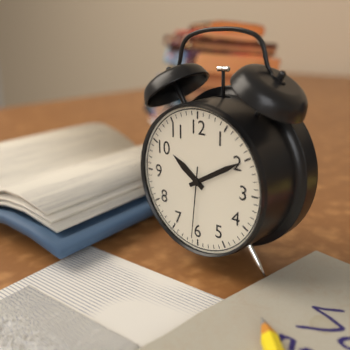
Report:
10:10:31
